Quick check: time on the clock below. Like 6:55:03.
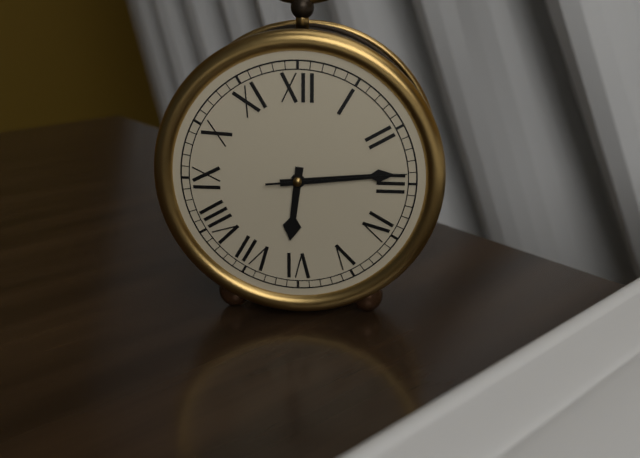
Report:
6:14:14
